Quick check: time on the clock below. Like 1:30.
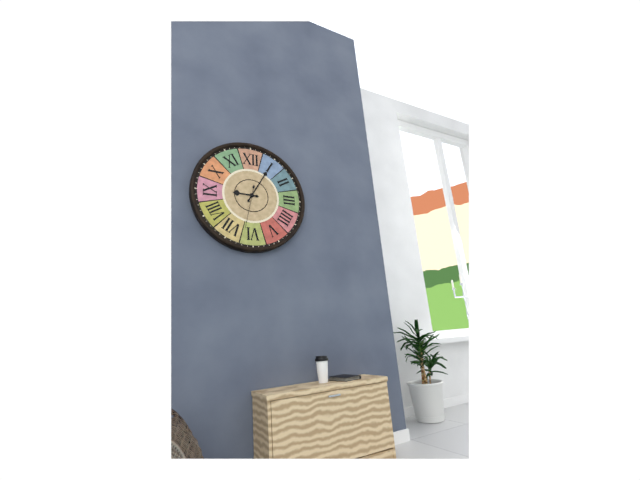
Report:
9:05
